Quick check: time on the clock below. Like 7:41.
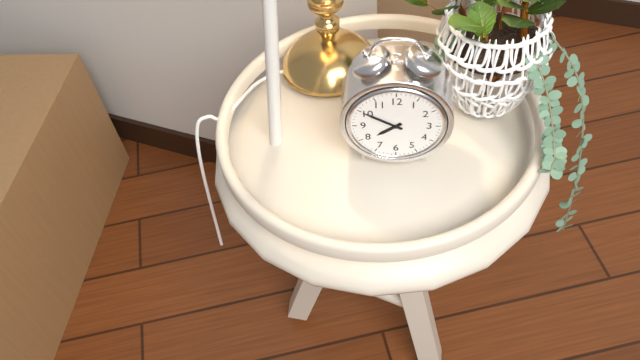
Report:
7:50
